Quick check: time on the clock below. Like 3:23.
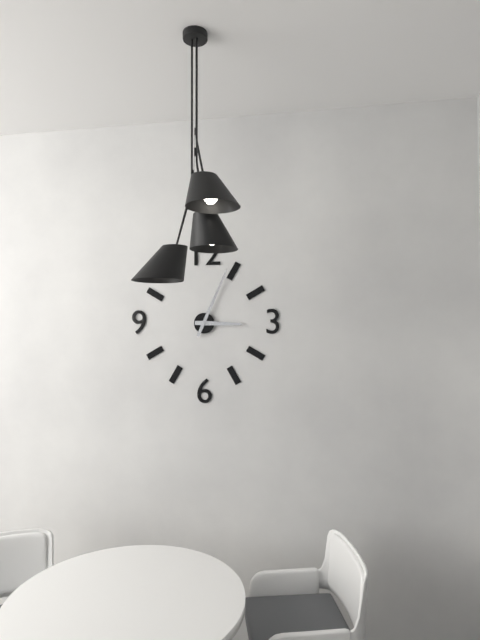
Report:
3:04
